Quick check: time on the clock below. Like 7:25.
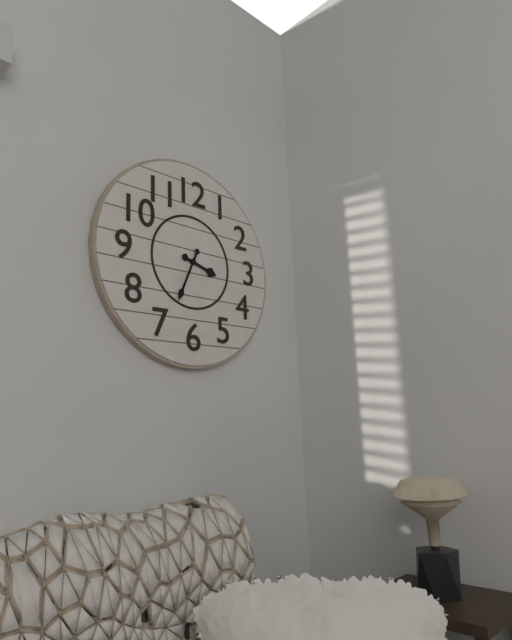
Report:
3:34
